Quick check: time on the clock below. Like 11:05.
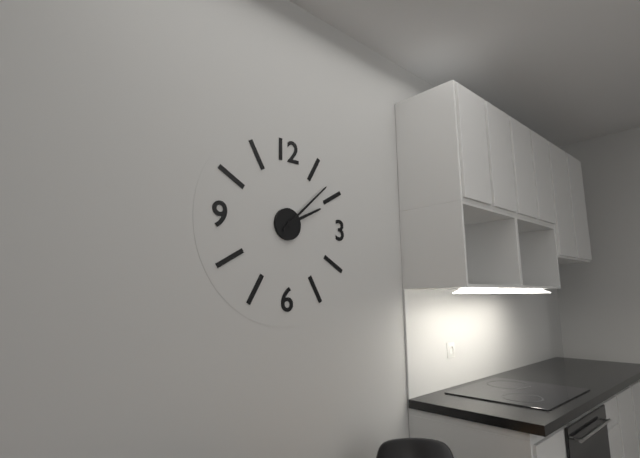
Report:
2:08
